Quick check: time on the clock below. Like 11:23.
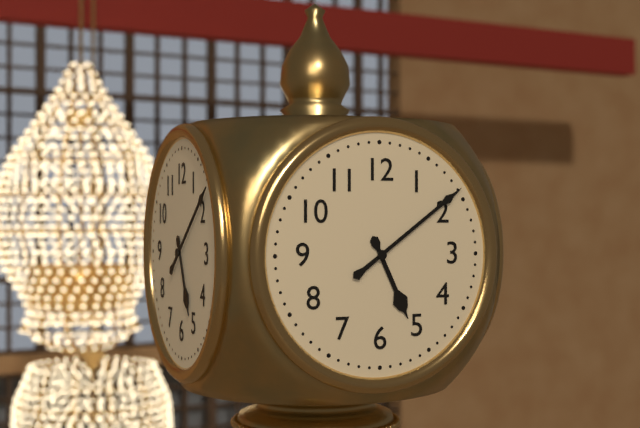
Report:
5:09
